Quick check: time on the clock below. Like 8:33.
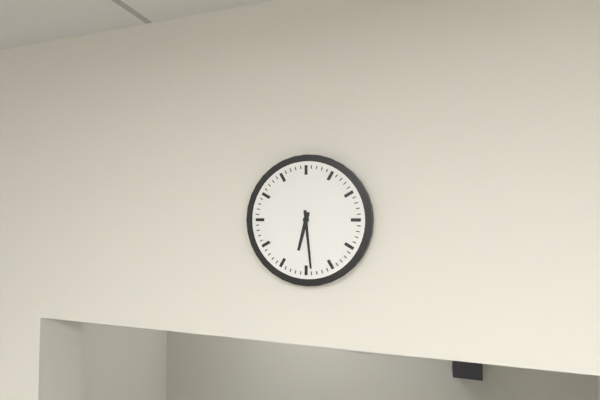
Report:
6:29
